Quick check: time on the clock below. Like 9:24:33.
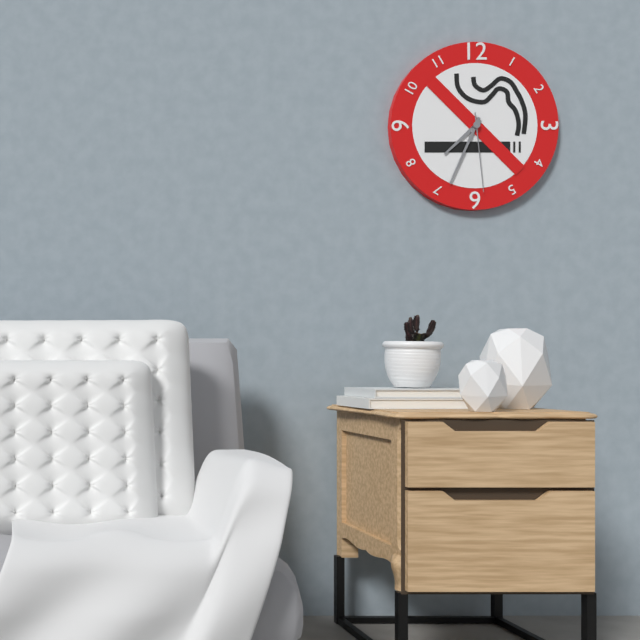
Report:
7:34:29
